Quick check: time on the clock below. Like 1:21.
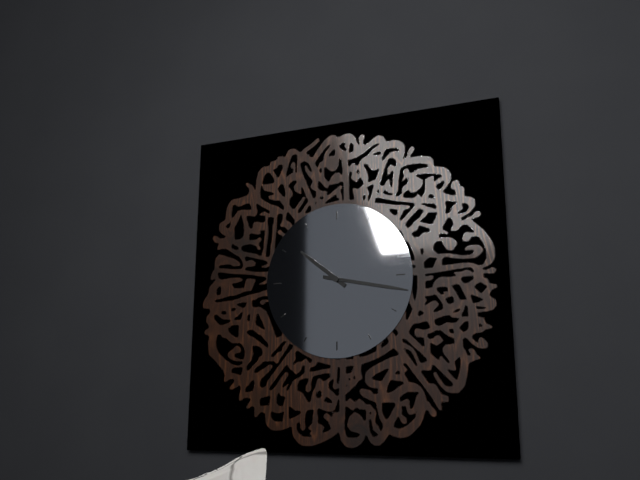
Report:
10:17
